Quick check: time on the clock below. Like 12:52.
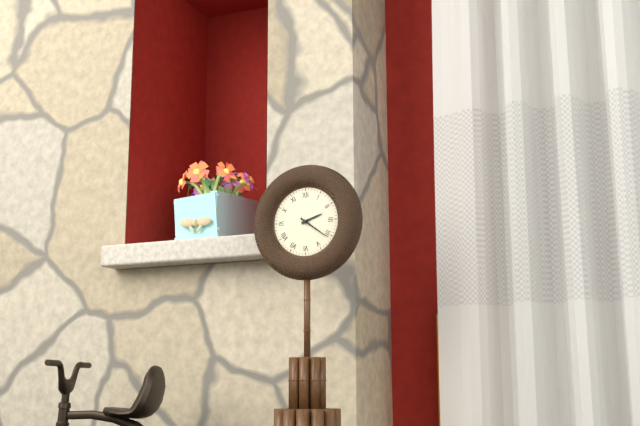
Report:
2:21
